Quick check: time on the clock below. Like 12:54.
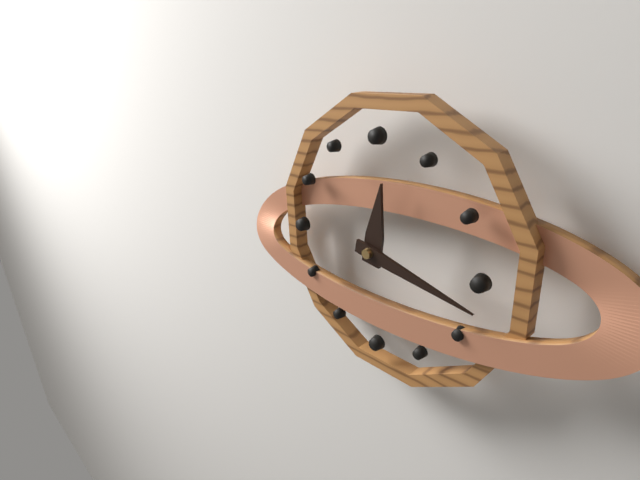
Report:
12:17
